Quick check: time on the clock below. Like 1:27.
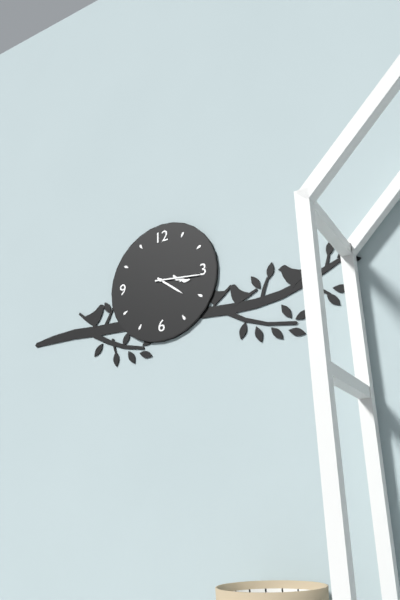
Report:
4:16
